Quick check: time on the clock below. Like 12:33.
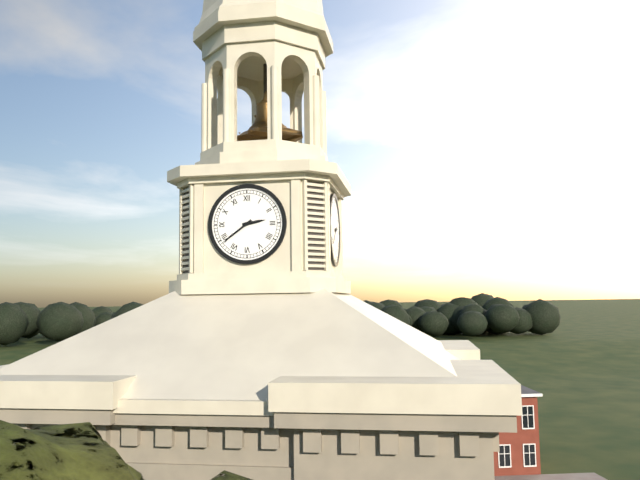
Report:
2:39
